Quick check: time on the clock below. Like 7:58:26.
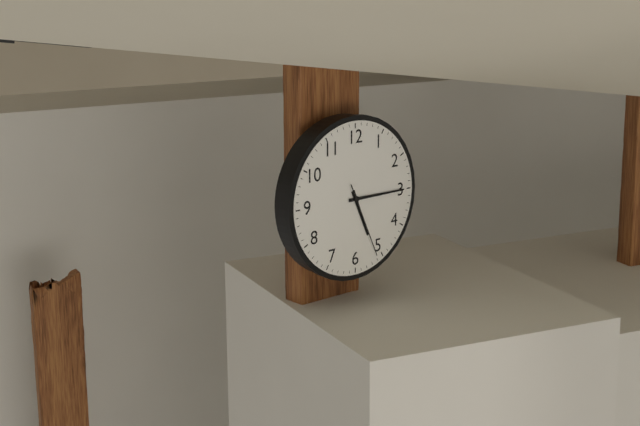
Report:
5:15:26
